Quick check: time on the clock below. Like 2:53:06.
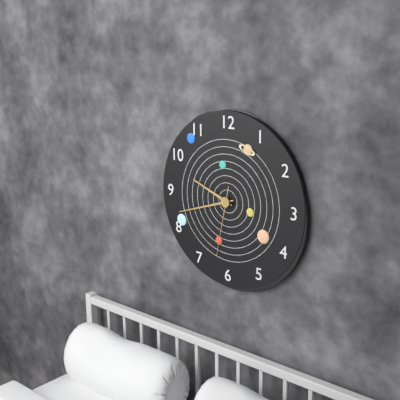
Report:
9:42:32
